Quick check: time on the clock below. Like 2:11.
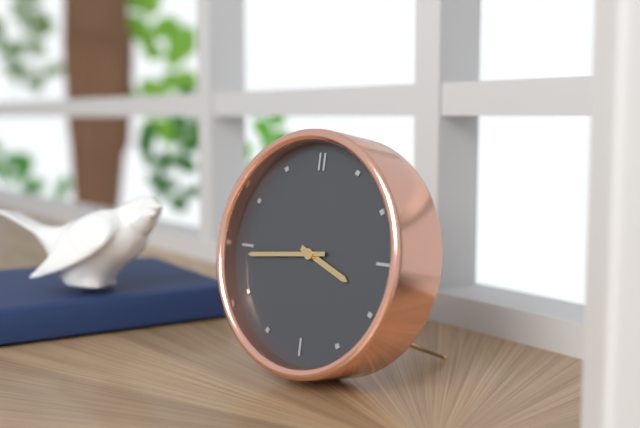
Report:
3:44
